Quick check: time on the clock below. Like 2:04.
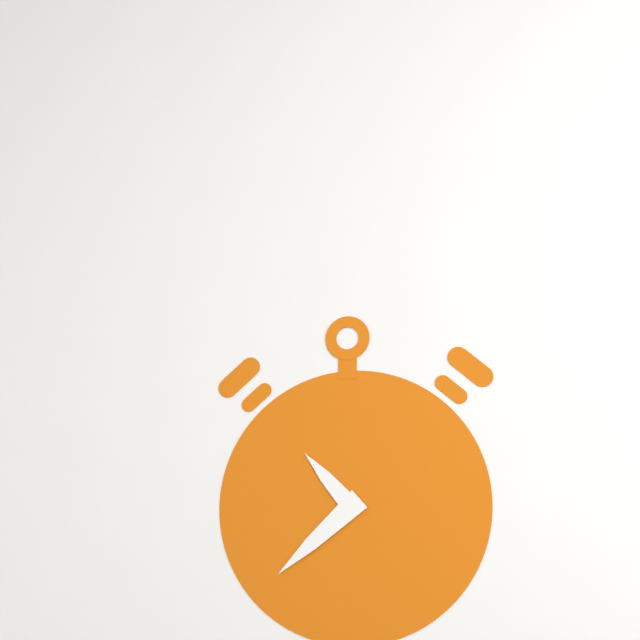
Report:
10:38
